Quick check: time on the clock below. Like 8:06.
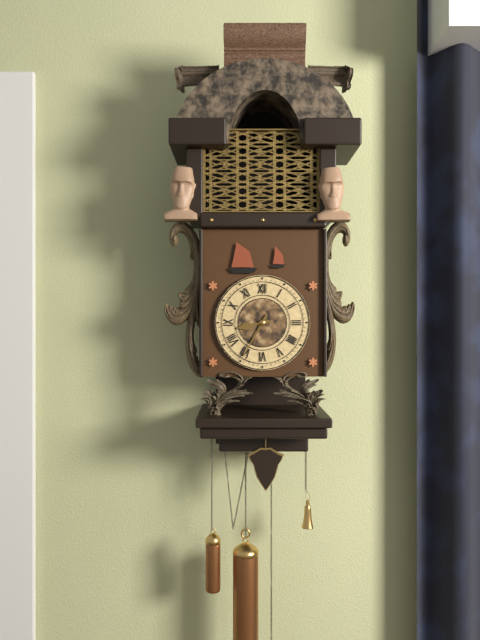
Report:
8:35
